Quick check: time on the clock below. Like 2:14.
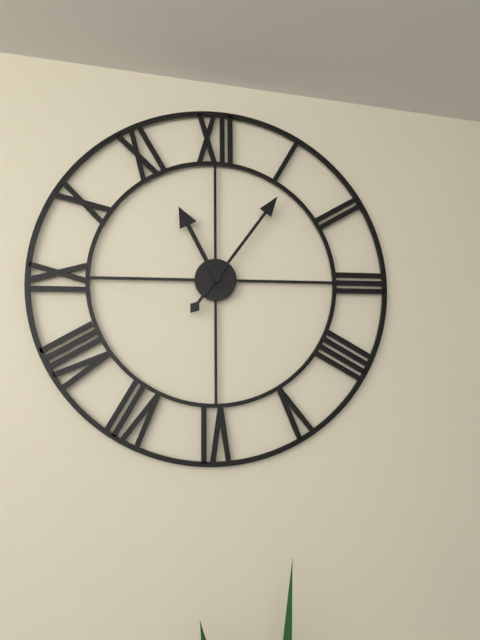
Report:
11:06
